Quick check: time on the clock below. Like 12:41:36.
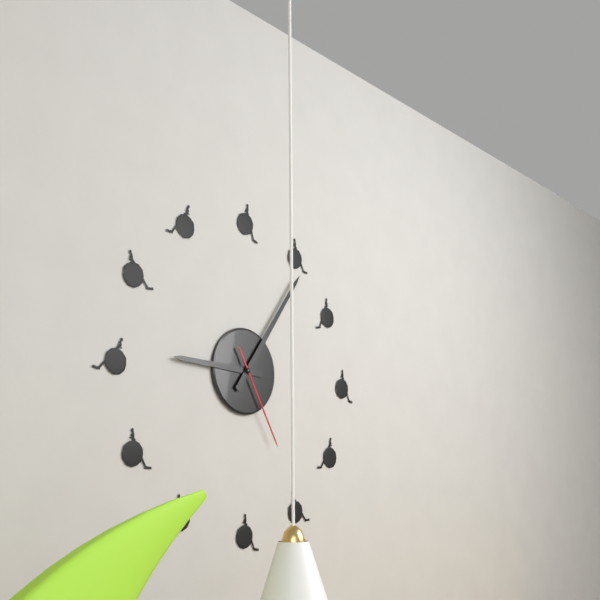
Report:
9:06:25
